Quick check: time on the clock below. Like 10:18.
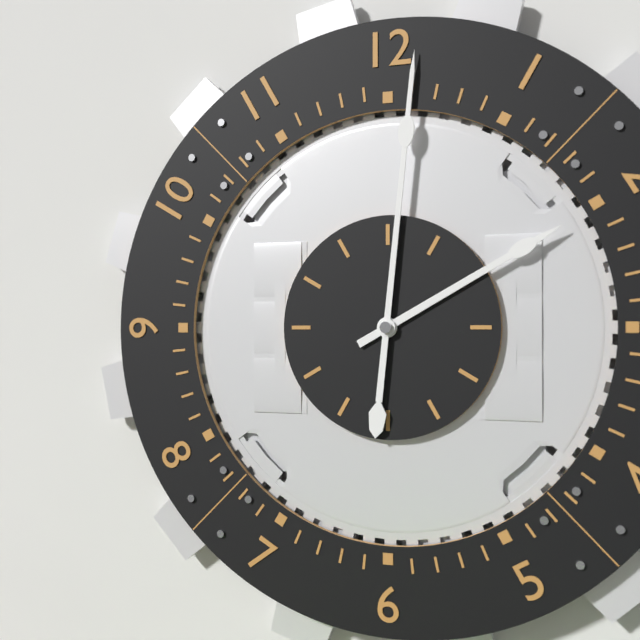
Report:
2:01
